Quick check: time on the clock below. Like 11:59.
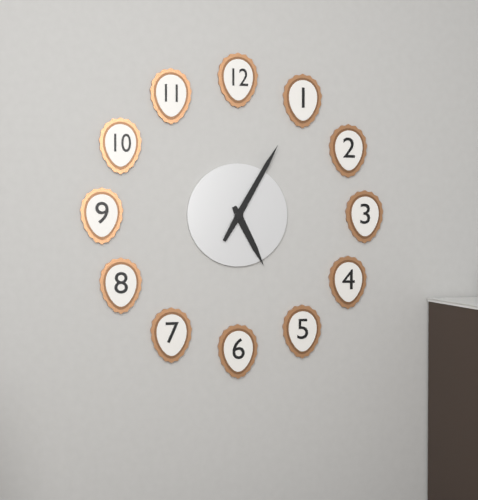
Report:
5:05
